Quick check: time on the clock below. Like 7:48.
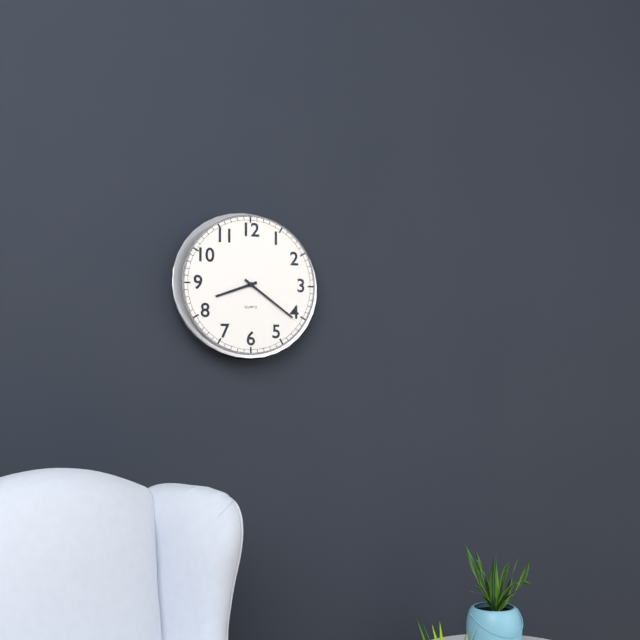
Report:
8:21
